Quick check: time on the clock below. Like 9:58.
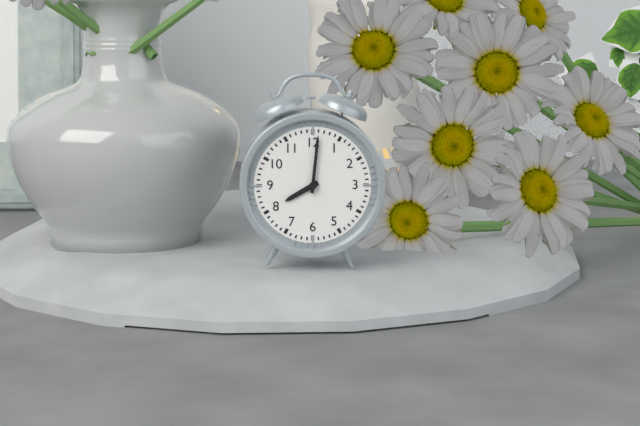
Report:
8:01
